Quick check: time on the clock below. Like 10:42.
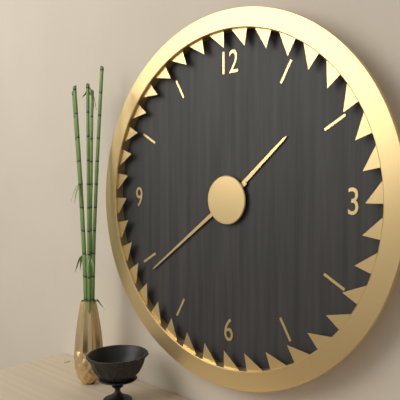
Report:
1:39
